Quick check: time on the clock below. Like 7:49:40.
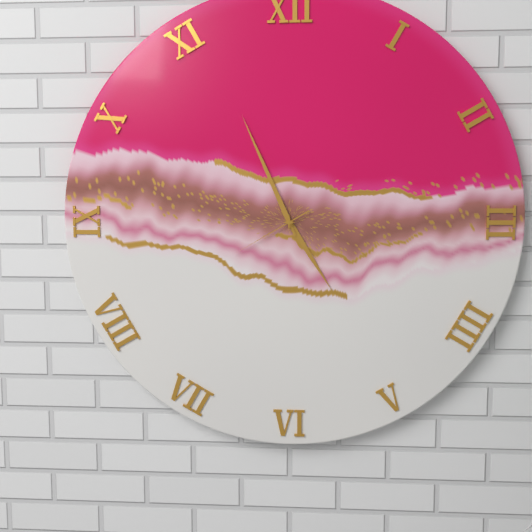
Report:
4:56:40
